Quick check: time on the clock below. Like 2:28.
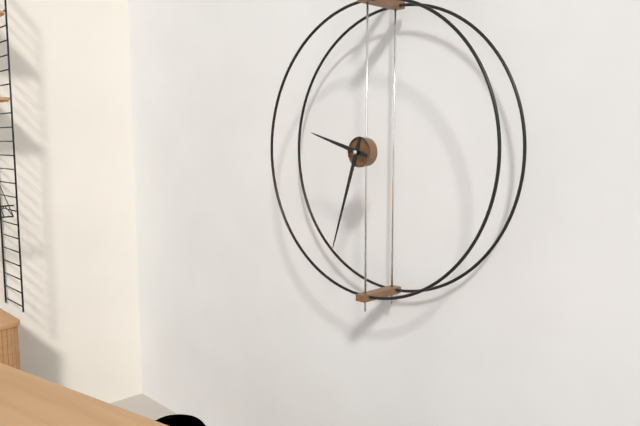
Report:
9:33
